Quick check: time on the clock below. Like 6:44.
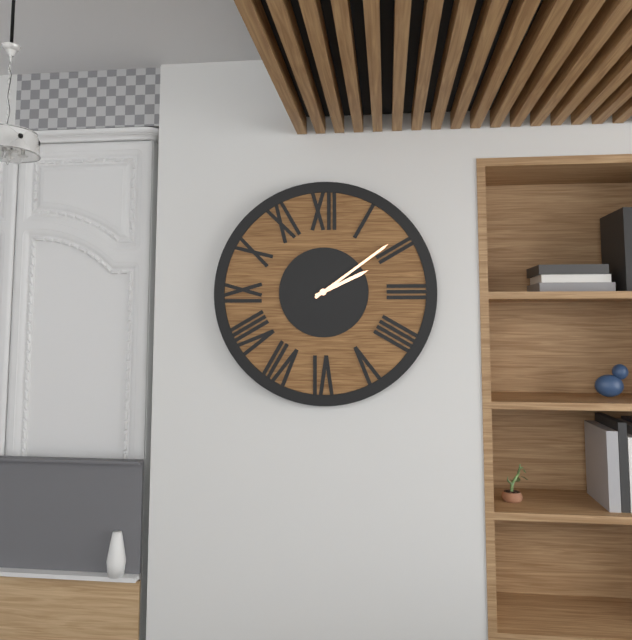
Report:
2:09
